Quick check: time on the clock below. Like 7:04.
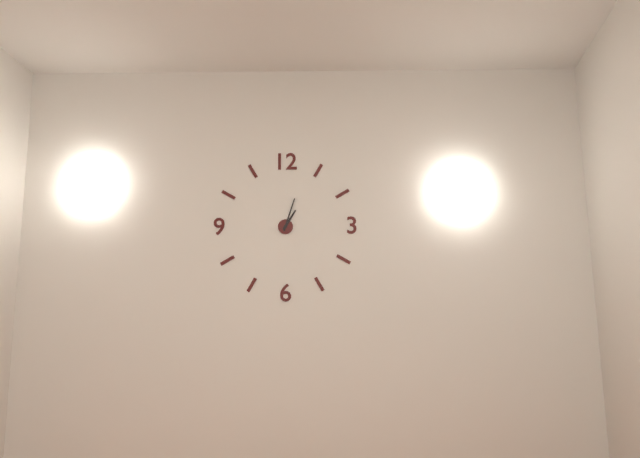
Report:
1:03
